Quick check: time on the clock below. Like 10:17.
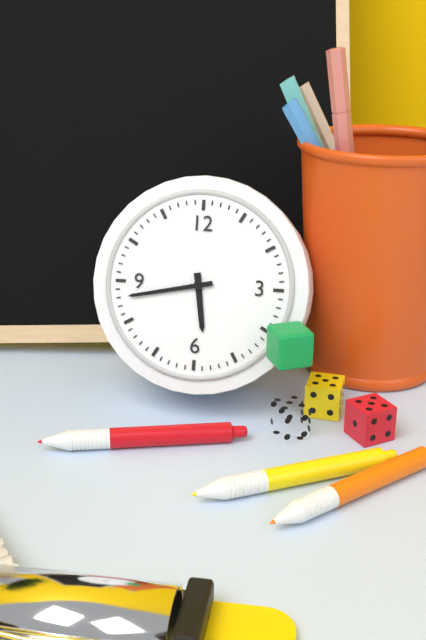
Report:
5:43
